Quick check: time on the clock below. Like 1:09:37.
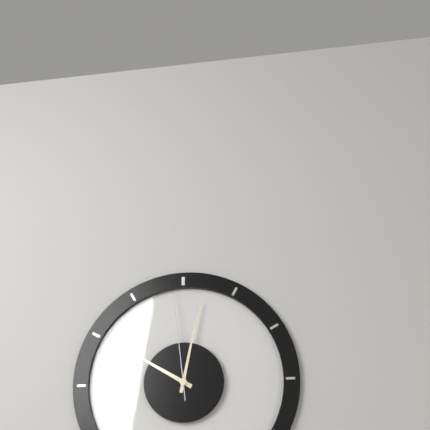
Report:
10:02:59
